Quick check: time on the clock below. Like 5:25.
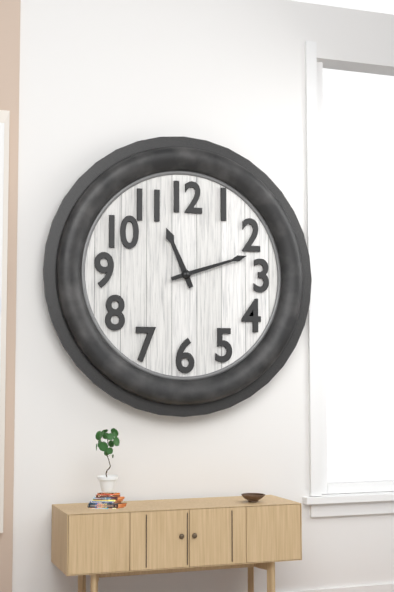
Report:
11:12
